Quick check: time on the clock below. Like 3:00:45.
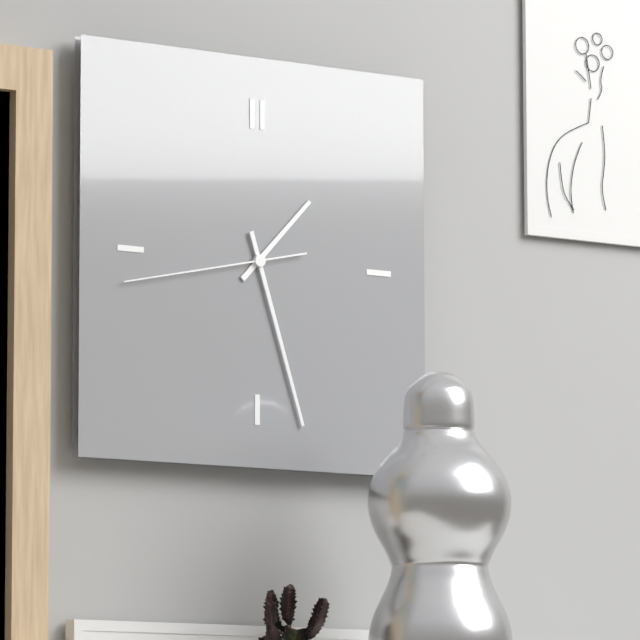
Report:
1:27:43
